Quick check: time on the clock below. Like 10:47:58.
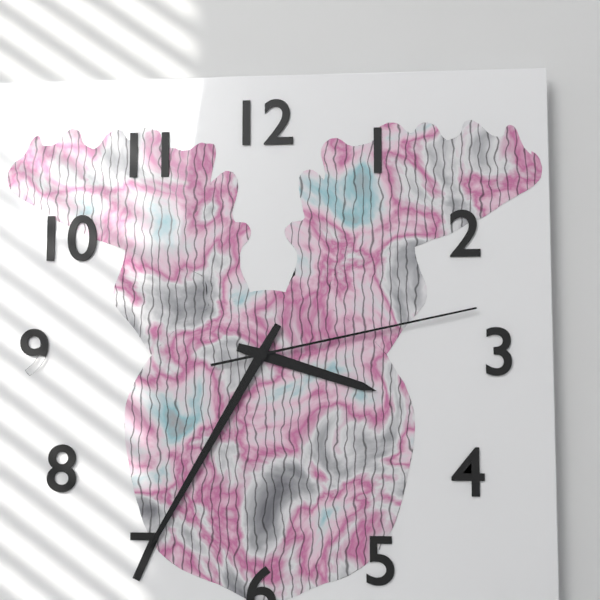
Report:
3:35:13
